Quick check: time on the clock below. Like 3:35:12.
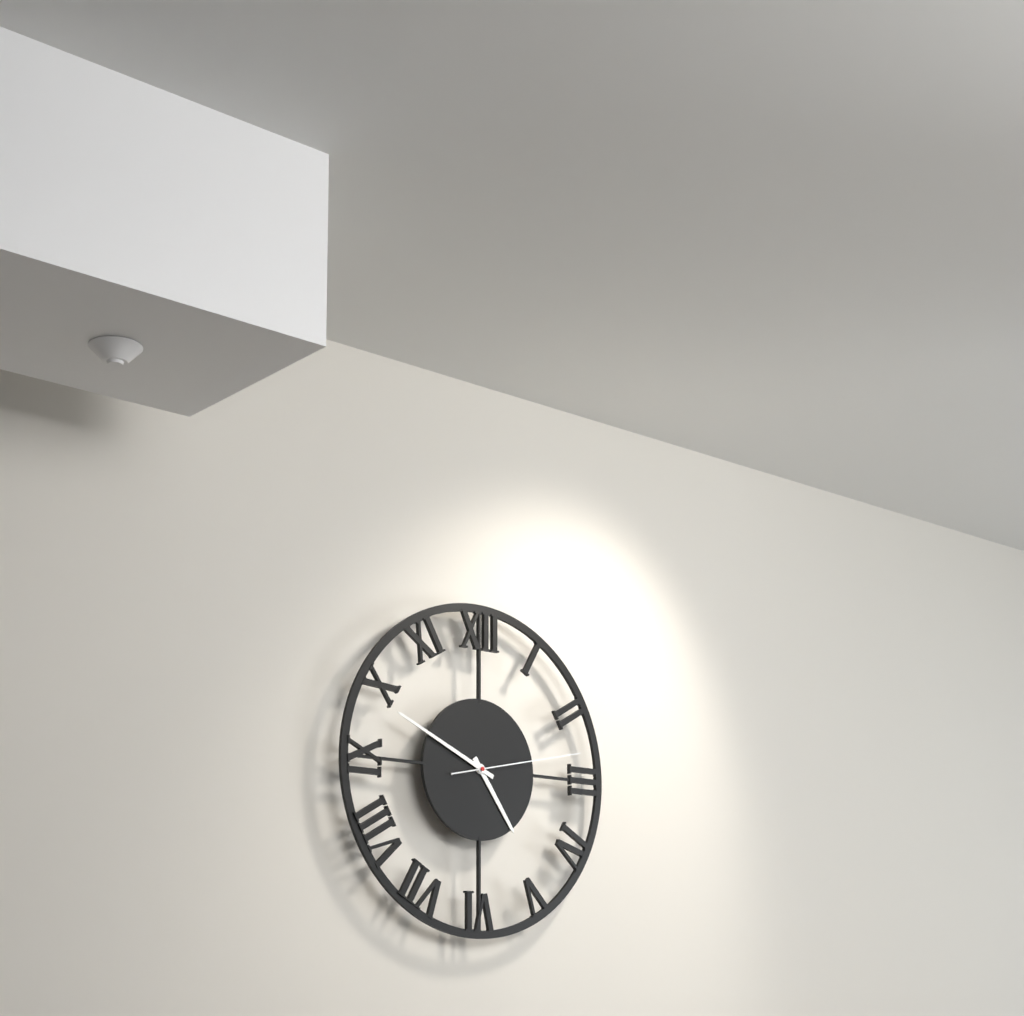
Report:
4:49:13
